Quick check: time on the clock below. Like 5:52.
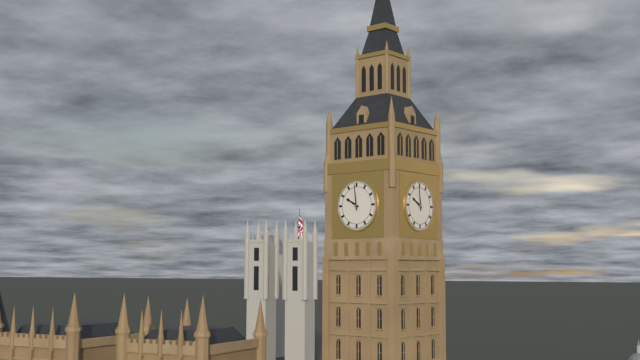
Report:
9:59
